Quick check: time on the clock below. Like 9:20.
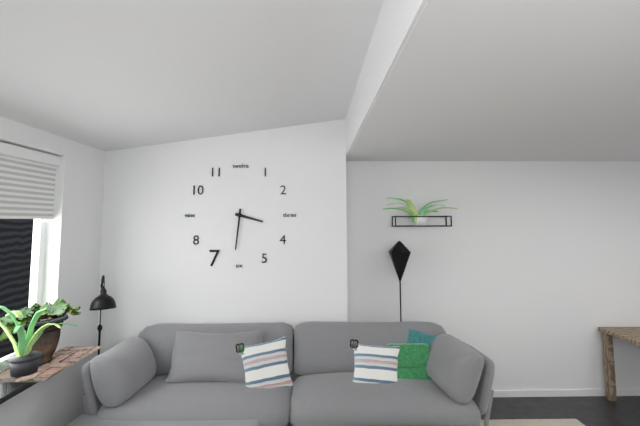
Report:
3:31
